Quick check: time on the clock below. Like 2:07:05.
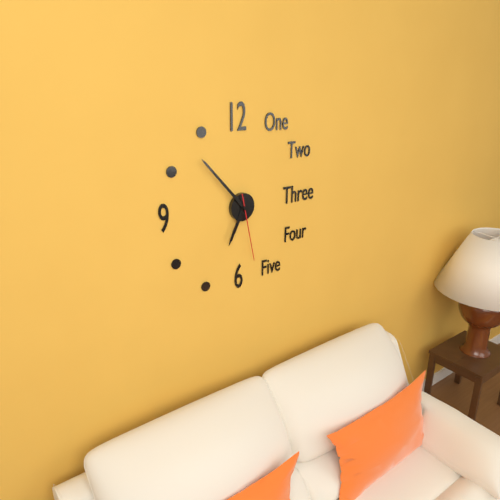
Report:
6:53:28
